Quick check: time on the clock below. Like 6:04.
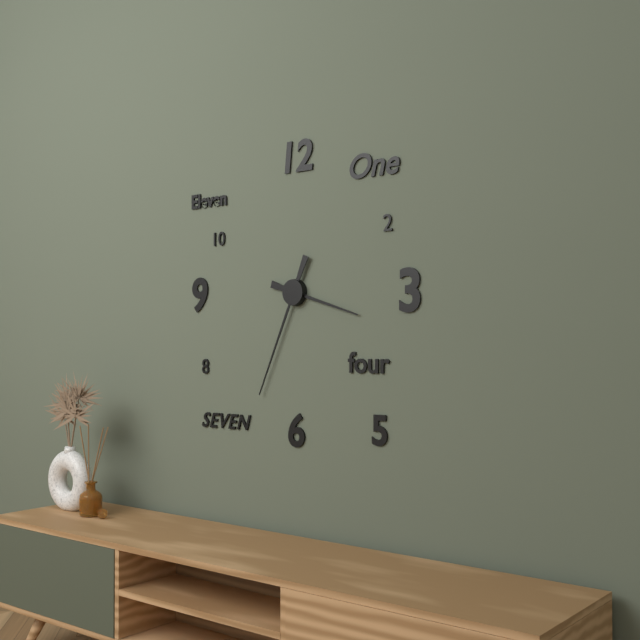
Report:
3:34
